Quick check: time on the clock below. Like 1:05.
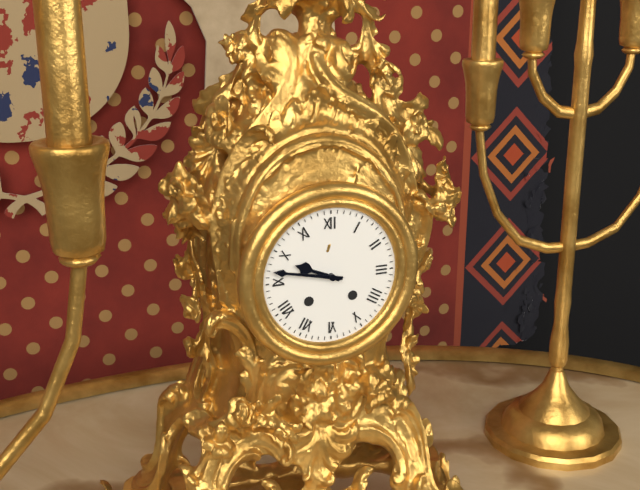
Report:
9:47
